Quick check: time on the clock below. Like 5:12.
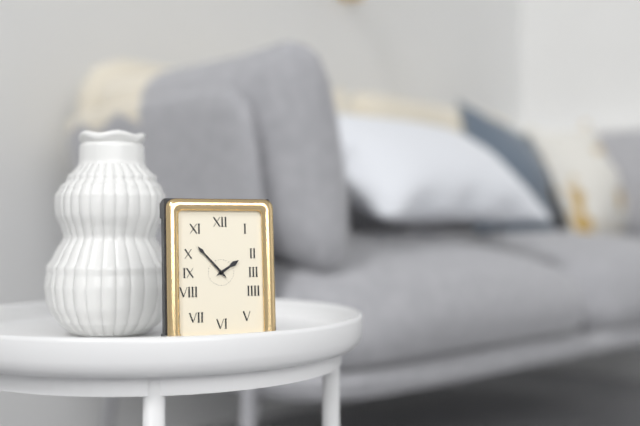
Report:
1:53
